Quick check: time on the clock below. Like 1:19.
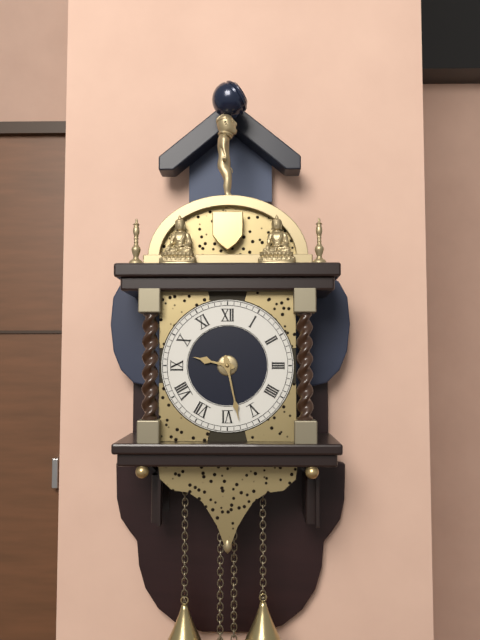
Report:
9:28
